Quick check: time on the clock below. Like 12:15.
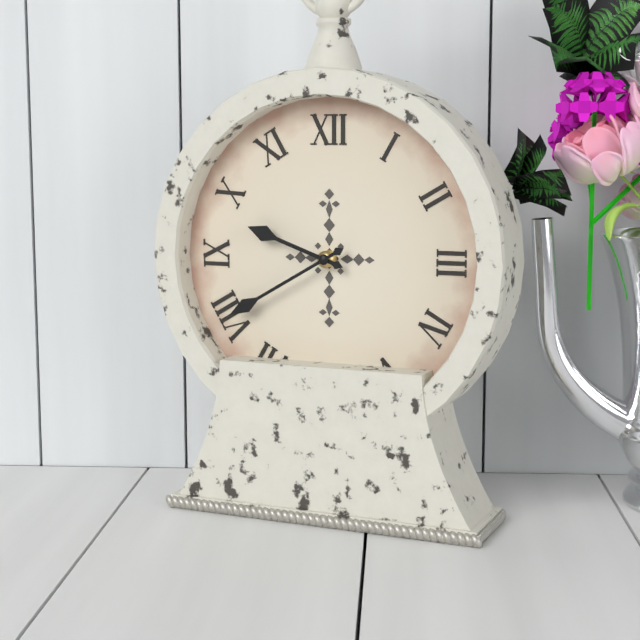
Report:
9:40
